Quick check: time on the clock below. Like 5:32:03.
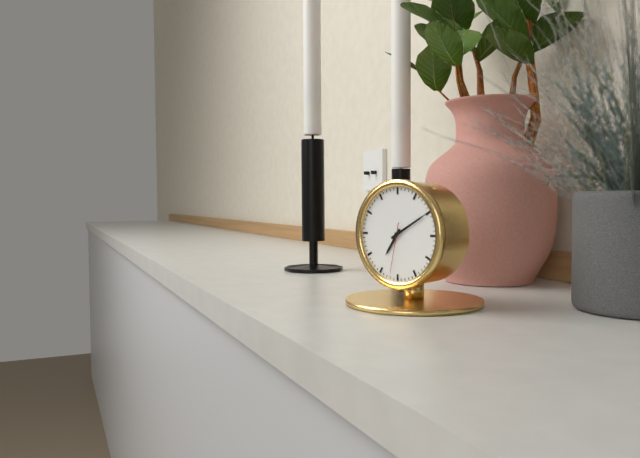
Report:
7:10:32
